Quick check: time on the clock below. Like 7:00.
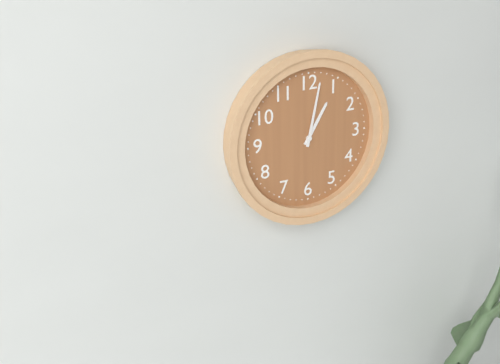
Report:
1:02
